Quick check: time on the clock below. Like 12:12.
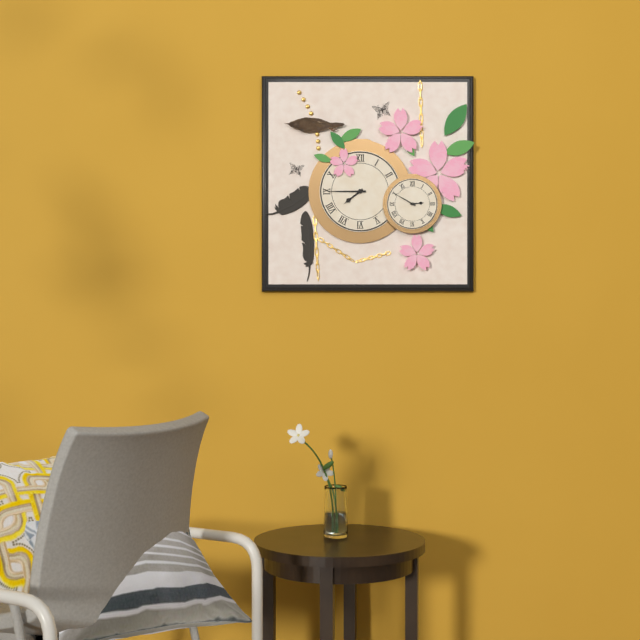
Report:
7:45
